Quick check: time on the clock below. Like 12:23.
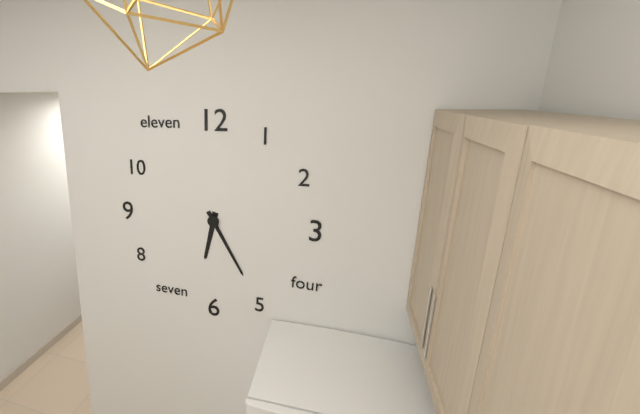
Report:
6:25
